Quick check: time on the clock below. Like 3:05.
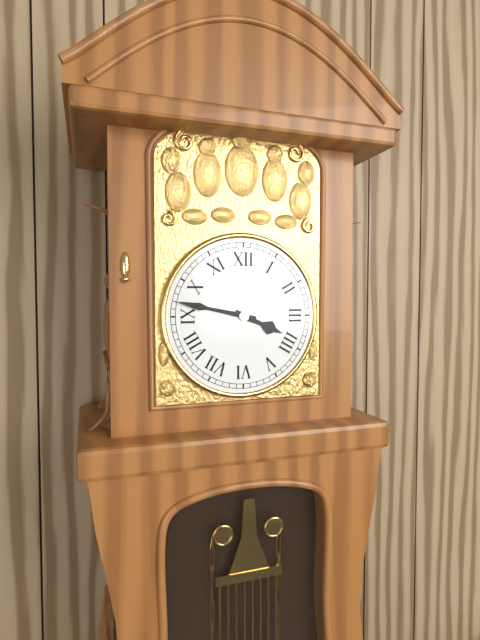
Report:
3:47
